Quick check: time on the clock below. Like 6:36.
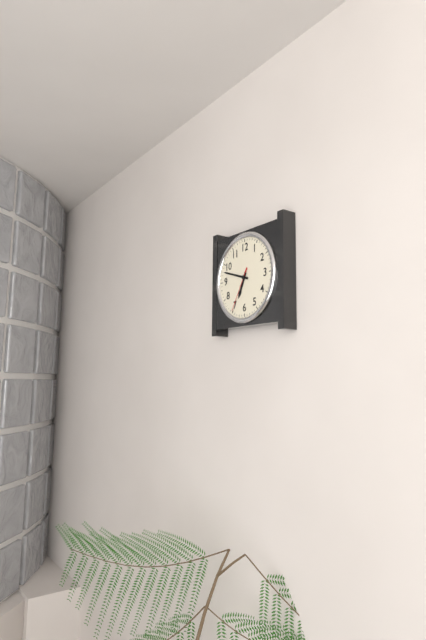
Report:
6:48
